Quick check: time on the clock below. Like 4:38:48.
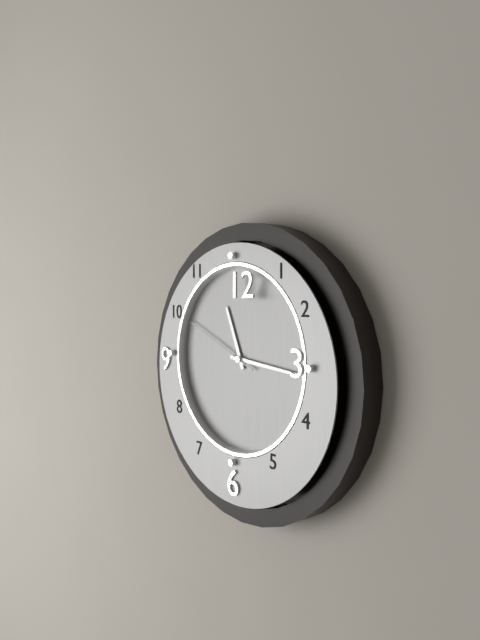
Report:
11:16:49
